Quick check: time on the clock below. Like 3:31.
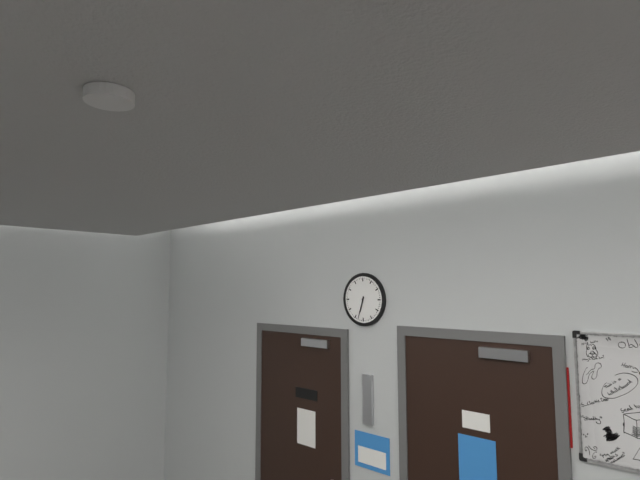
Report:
6:33
